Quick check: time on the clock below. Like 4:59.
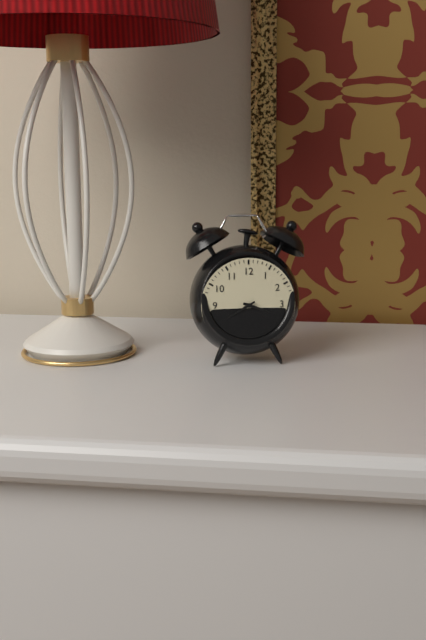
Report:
3:40
